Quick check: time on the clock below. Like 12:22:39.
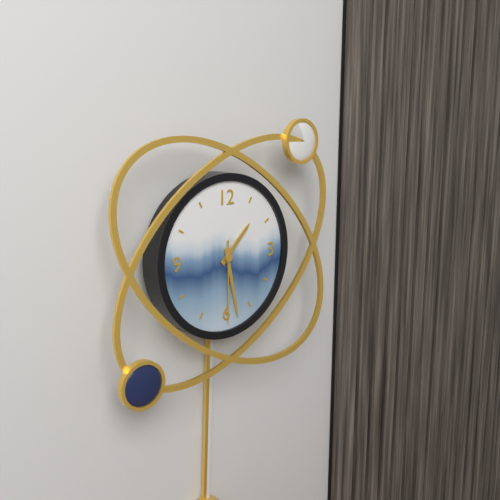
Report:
1:28:30
